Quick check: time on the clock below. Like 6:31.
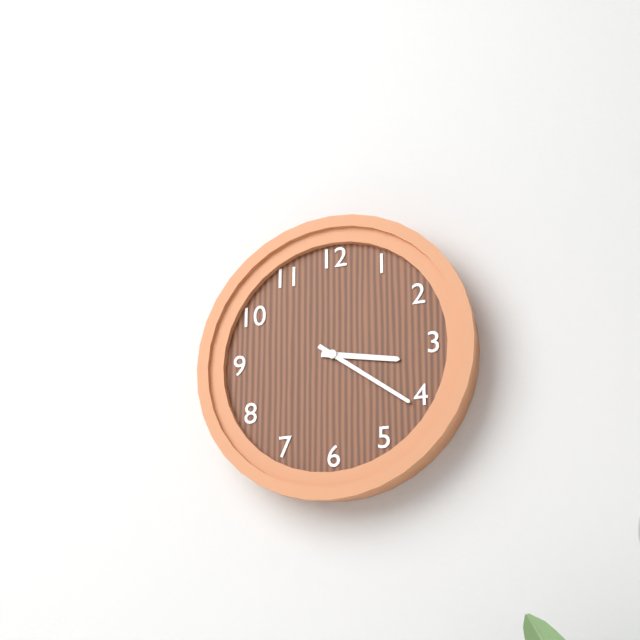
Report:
3:21
